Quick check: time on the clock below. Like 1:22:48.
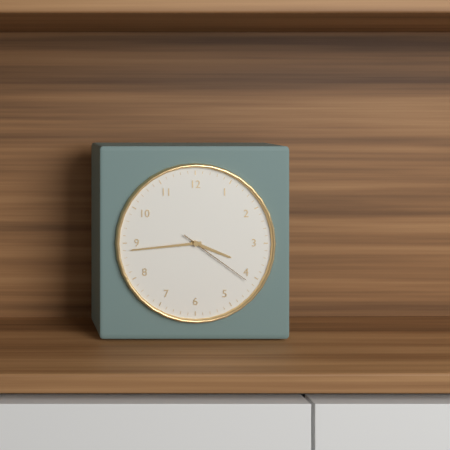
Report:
3:44:21
